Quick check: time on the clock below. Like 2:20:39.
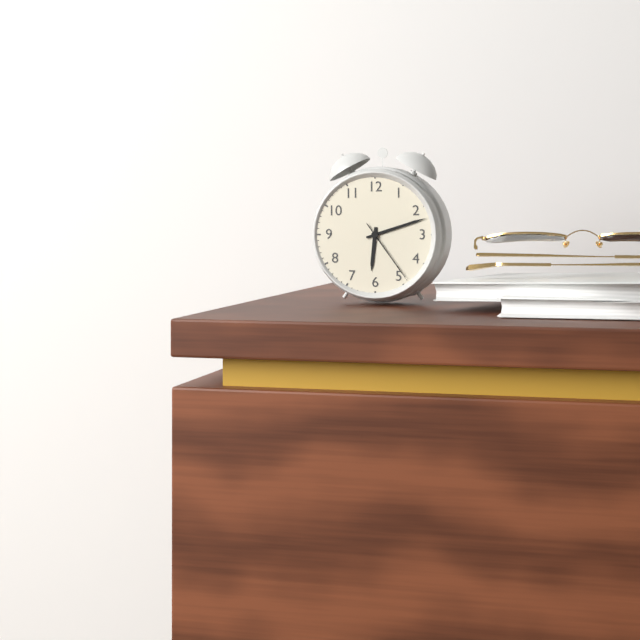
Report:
6:12:24
